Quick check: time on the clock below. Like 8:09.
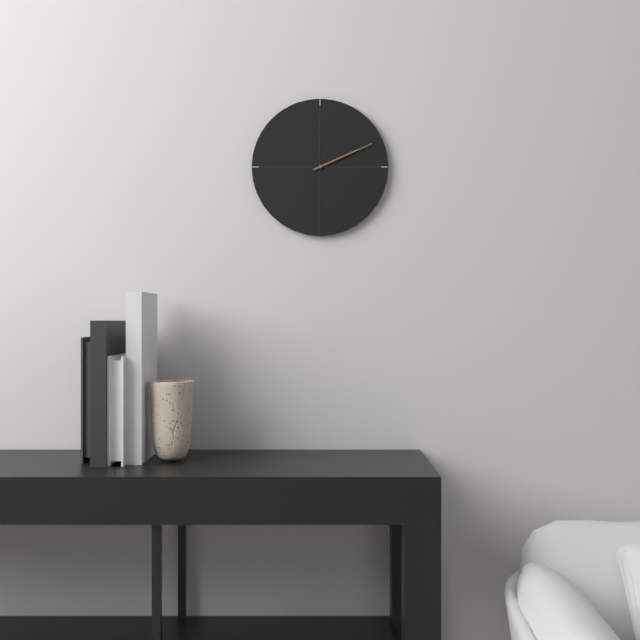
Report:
2:11
